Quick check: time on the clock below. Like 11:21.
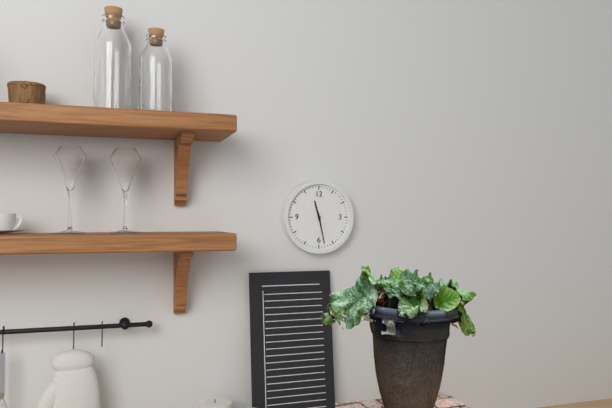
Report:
11:28
